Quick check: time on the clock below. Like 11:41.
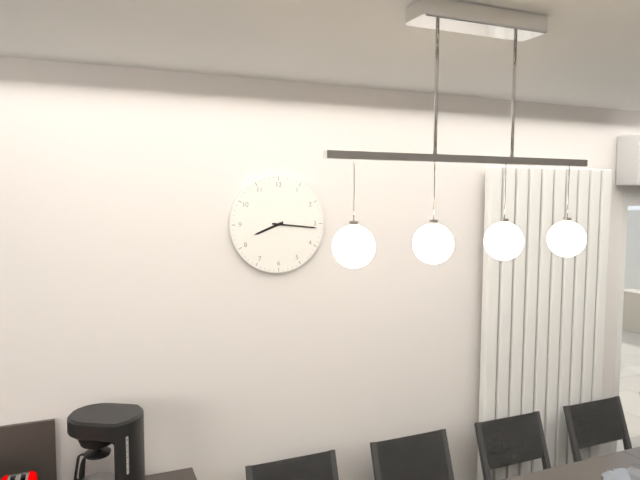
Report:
8:16
